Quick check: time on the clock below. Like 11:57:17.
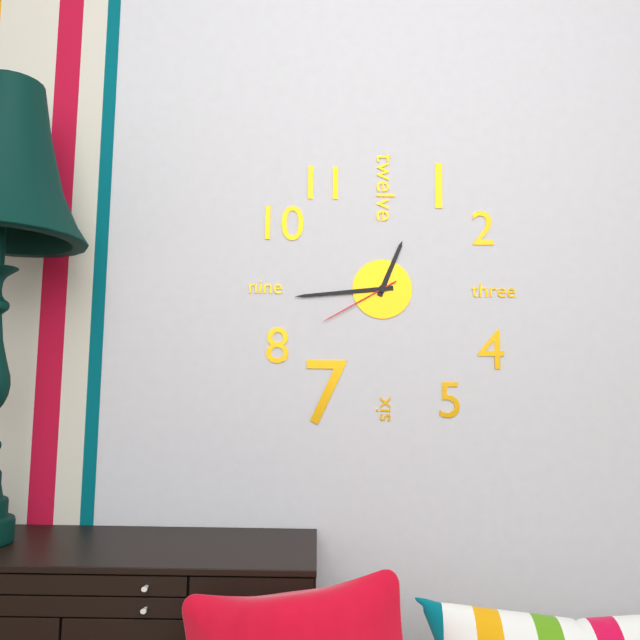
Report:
12:44:40
